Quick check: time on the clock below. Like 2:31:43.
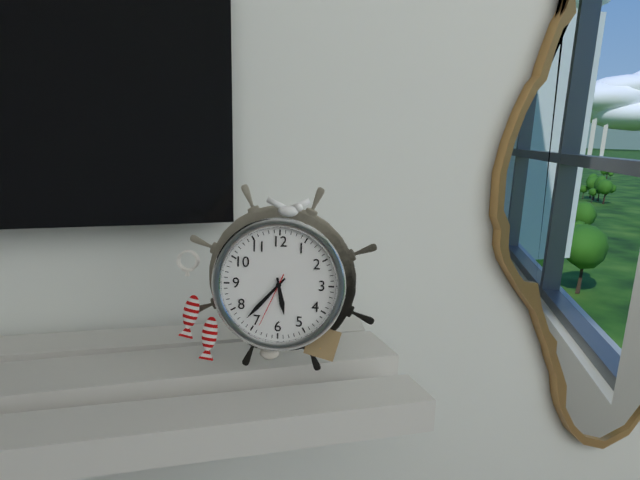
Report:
5:37:34
